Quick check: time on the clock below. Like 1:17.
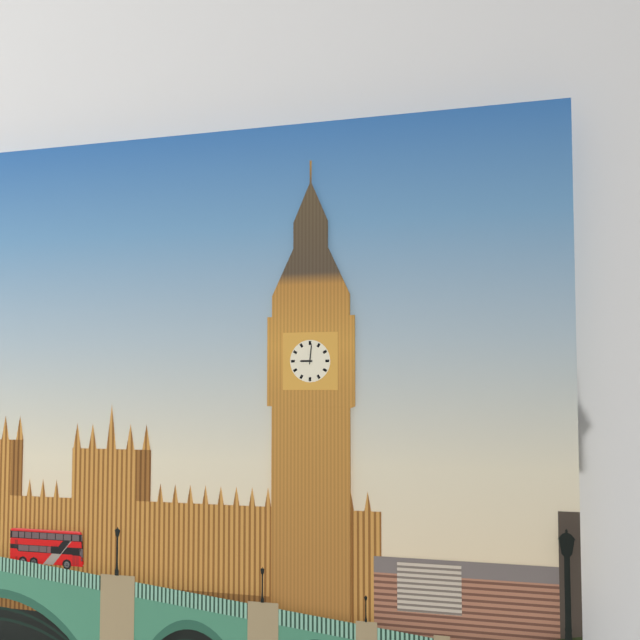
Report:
9:01
